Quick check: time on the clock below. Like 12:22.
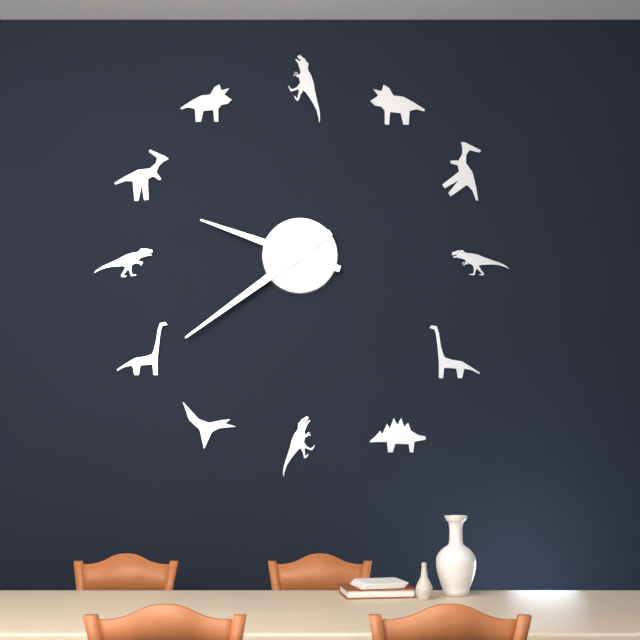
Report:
9:39
